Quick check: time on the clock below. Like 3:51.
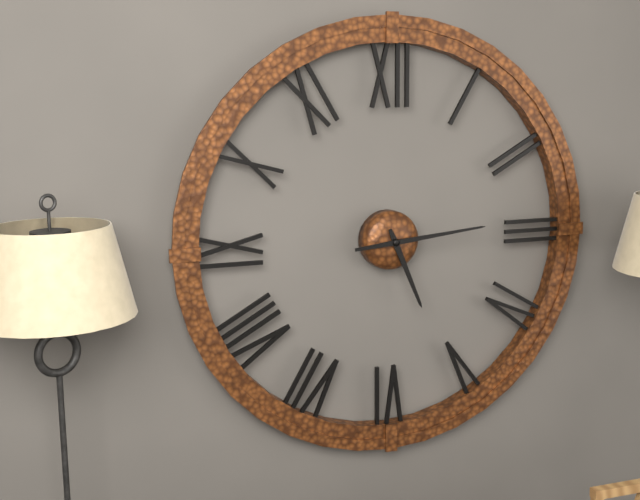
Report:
5:14
